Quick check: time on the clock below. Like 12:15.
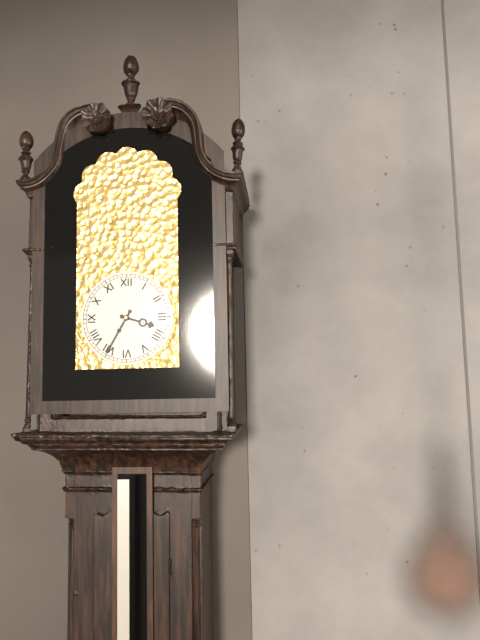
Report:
3:35
